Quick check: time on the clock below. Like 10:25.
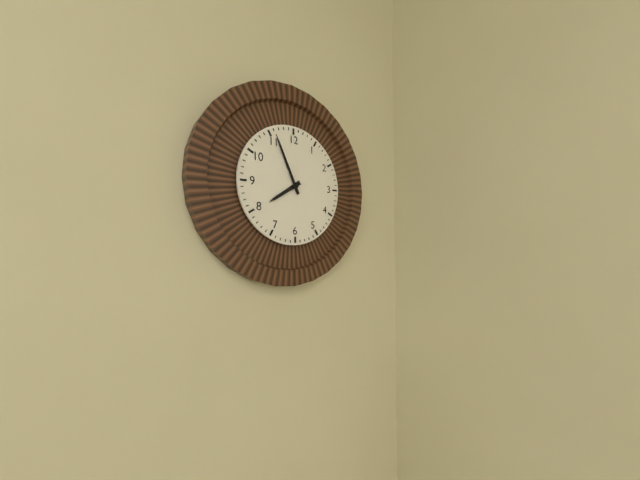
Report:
7:56
